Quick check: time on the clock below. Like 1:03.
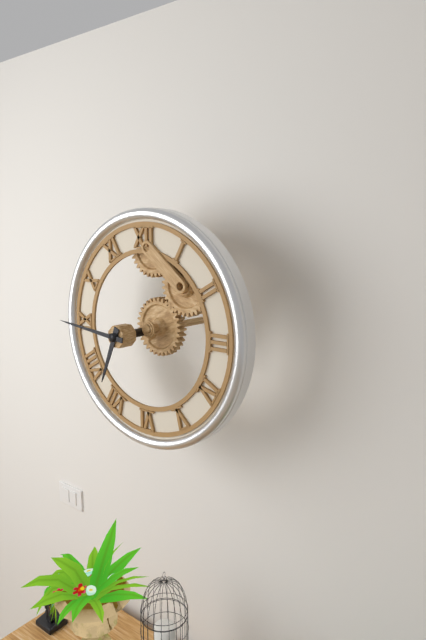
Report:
6:46
